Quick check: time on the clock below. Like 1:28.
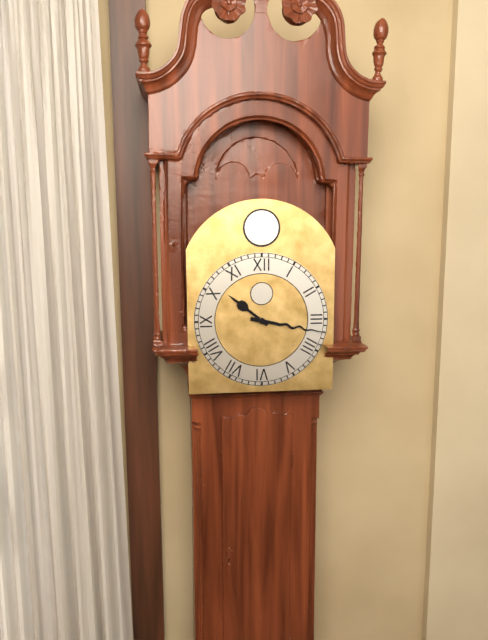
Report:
10:17
